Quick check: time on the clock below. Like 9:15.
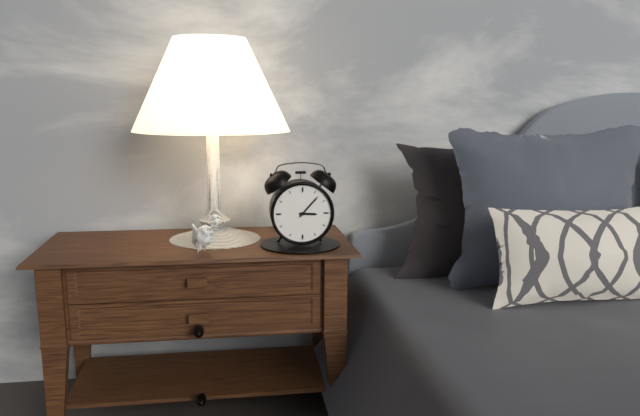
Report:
3:07
